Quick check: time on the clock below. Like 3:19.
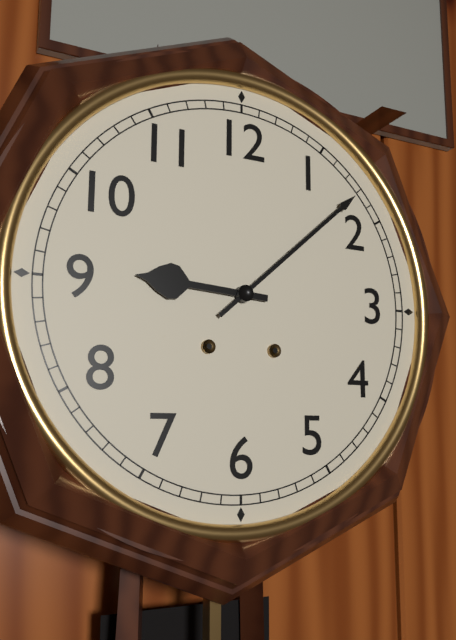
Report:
9:08
